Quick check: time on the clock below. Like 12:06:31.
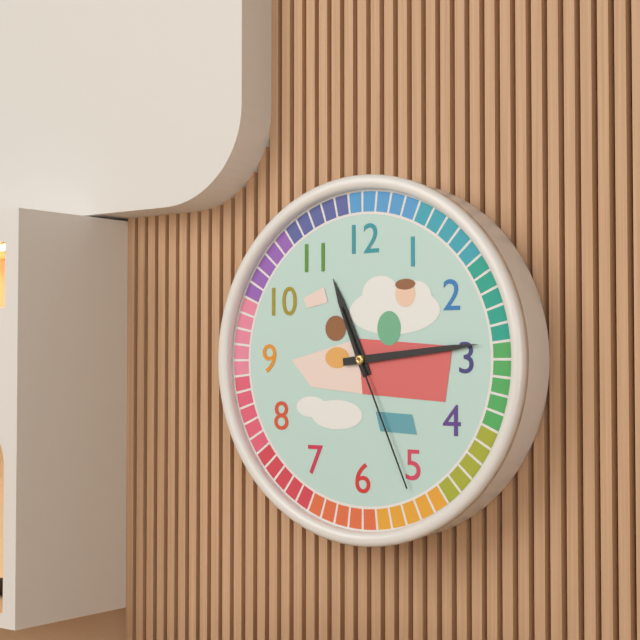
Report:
11:14:26
